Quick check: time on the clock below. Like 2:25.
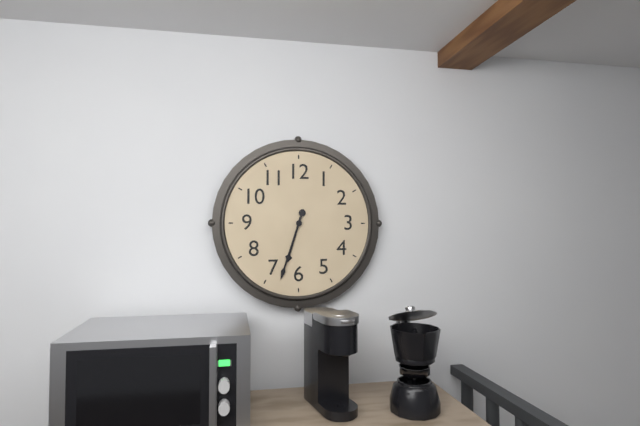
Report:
6:33
